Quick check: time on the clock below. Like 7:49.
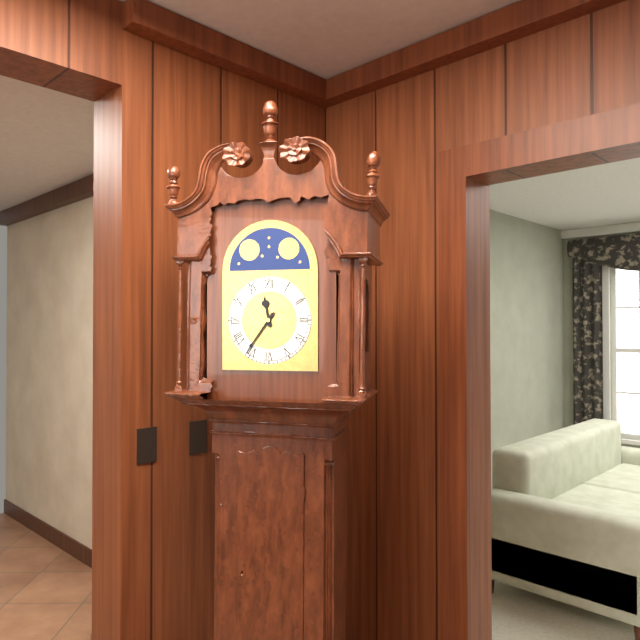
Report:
11:36
